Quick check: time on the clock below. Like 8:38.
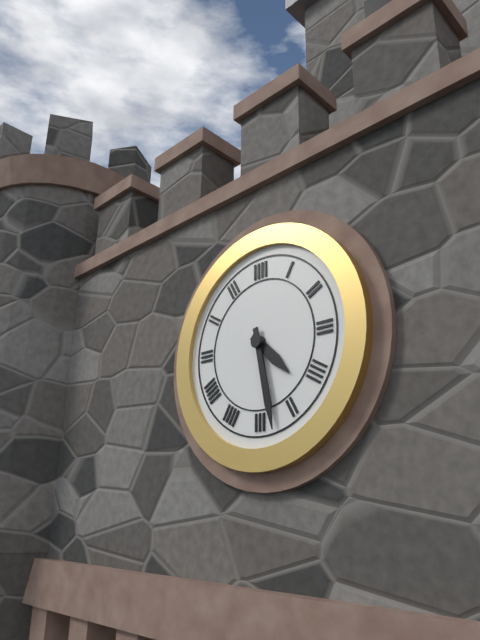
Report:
4:28
